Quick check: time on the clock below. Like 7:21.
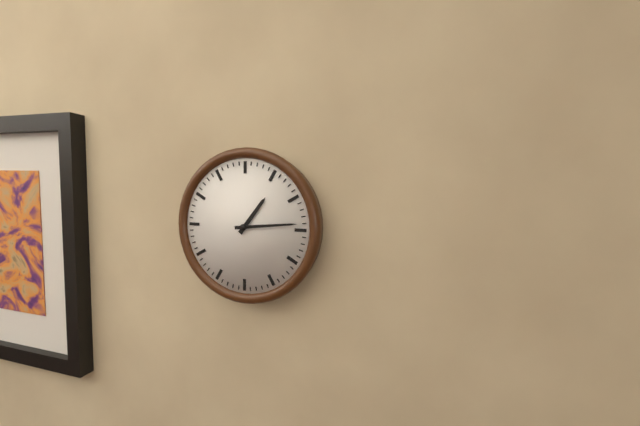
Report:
1:14
